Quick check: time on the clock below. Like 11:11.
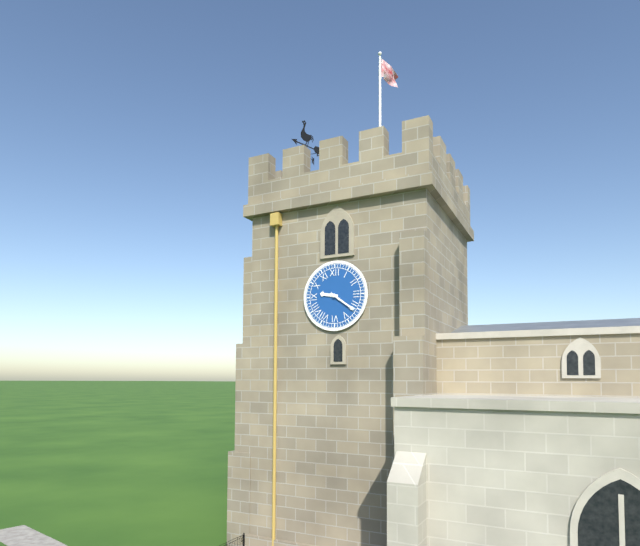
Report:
9:21
